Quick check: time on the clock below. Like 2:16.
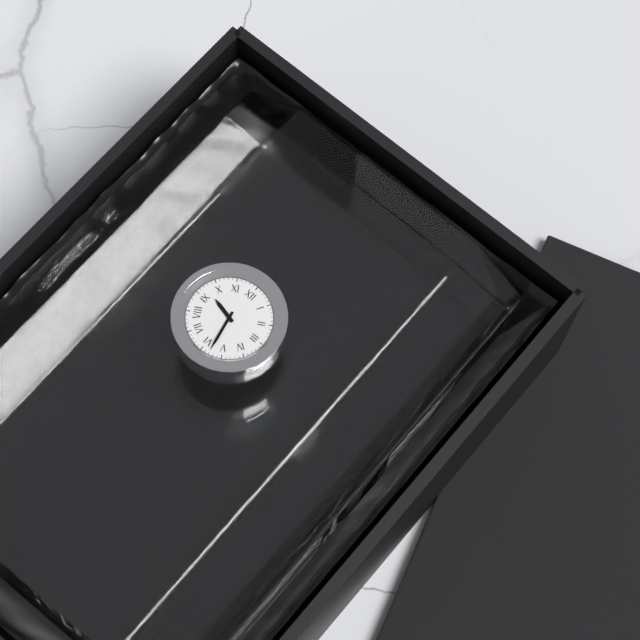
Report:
9:28
